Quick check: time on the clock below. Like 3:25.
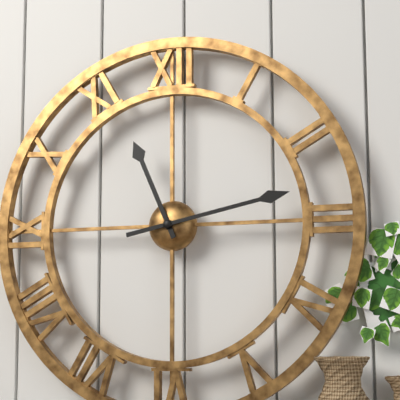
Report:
11:13
